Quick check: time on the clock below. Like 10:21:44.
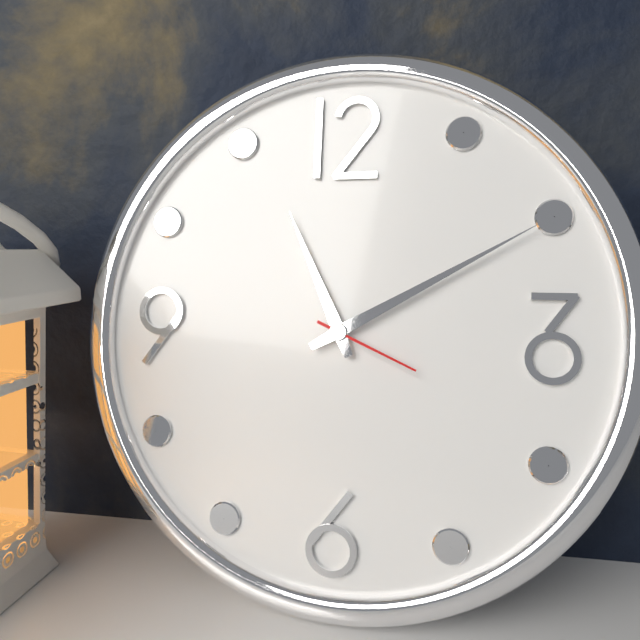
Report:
11:10:19
